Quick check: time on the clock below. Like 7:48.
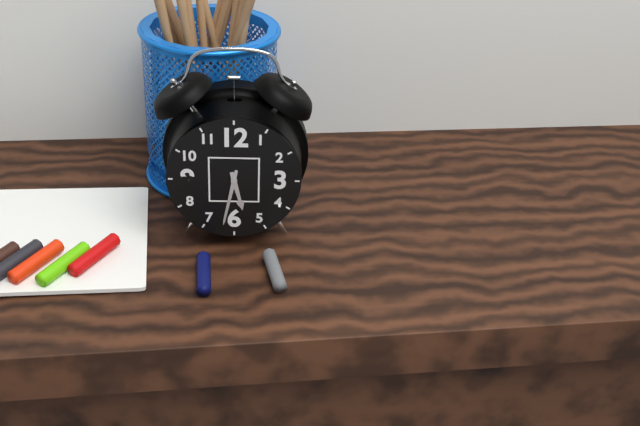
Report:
5:32
